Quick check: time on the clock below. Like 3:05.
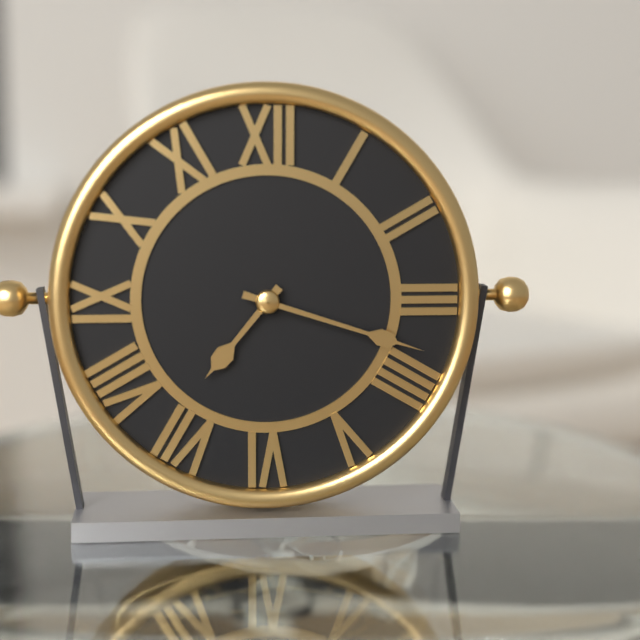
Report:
7:18
